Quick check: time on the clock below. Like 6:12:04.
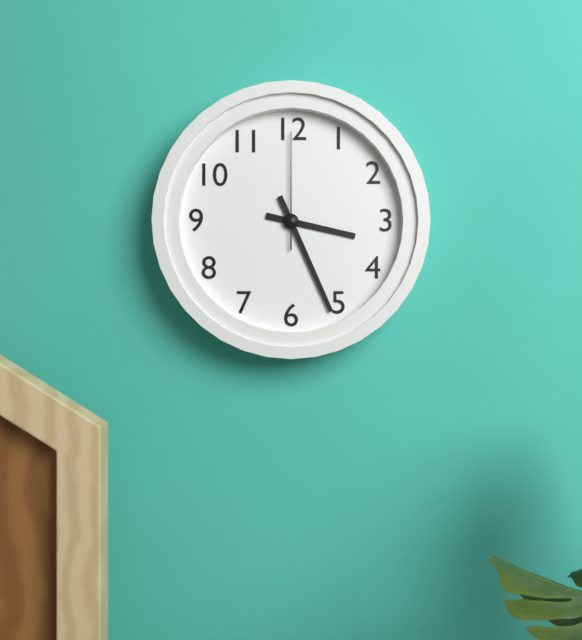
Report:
3:26:00
